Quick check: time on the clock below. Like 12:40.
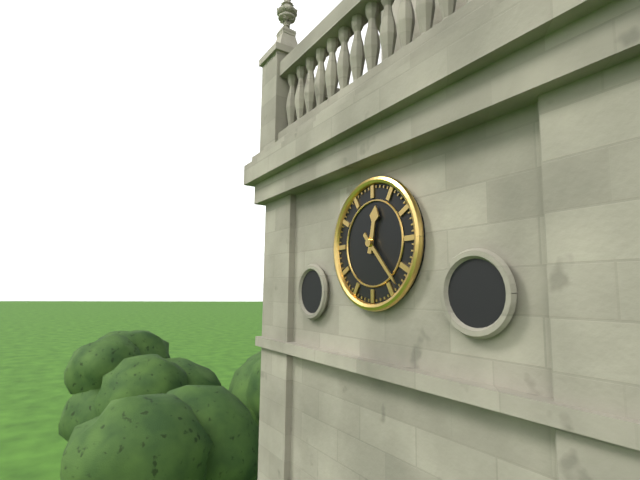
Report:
12:23
